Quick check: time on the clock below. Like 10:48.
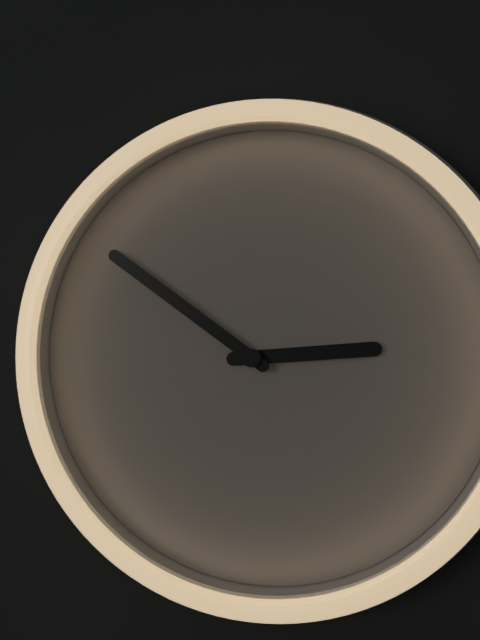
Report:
2:51
